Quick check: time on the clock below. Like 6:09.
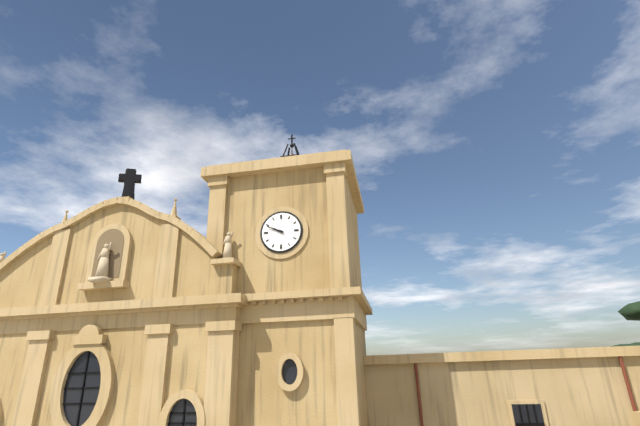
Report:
9:49
